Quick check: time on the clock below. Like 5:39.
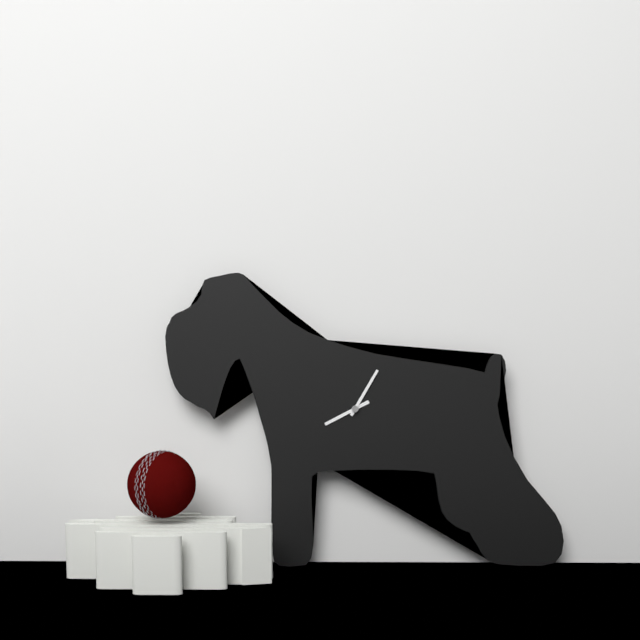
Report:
8:05
